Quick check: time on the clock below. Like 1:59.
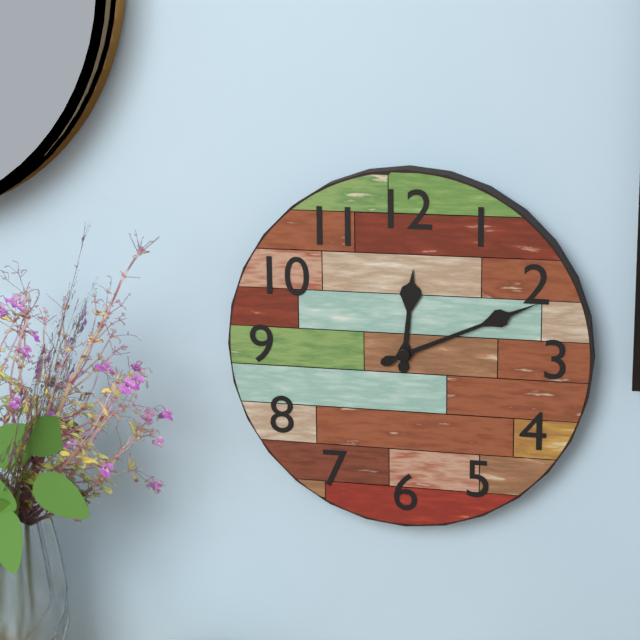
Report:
12:11
